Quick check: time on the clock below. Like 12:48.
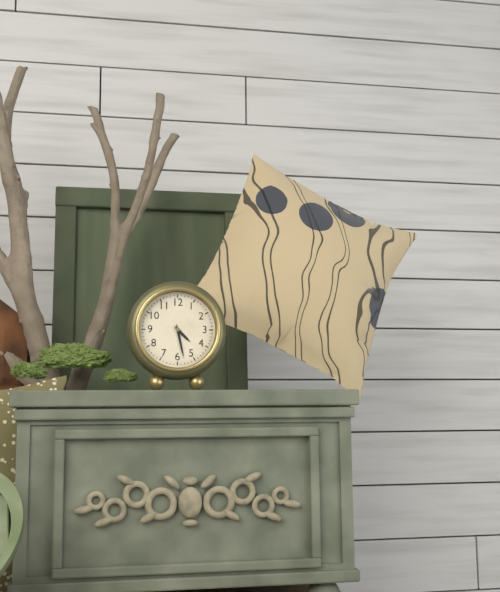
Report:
4:28
